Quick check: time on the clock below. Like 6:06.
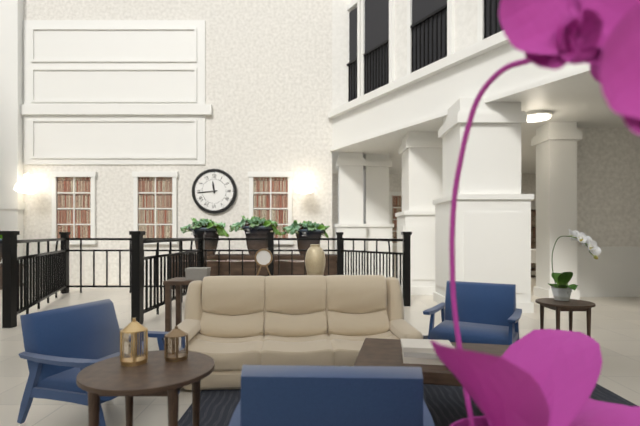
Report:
11:44
